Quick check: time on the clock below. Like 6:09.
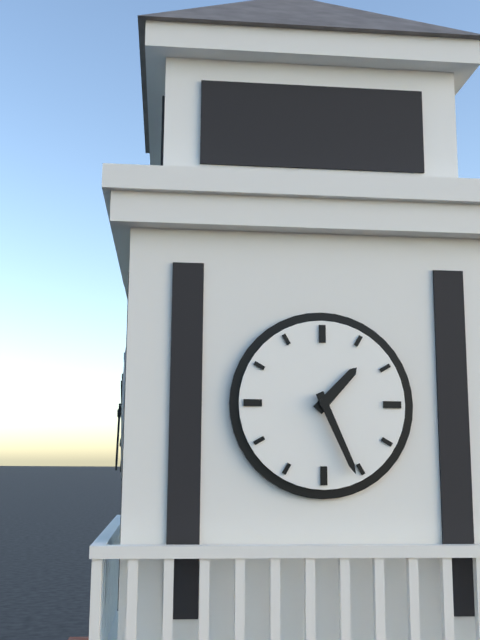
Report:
1:26
